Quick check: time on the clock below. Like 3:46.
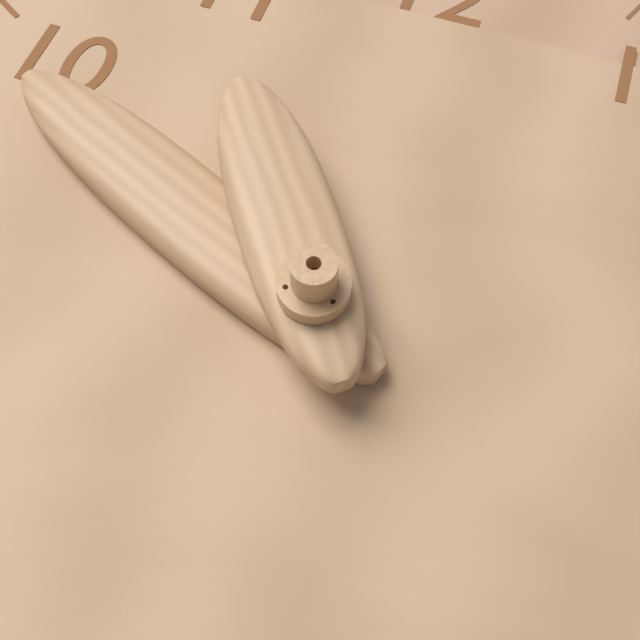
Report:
10:49
